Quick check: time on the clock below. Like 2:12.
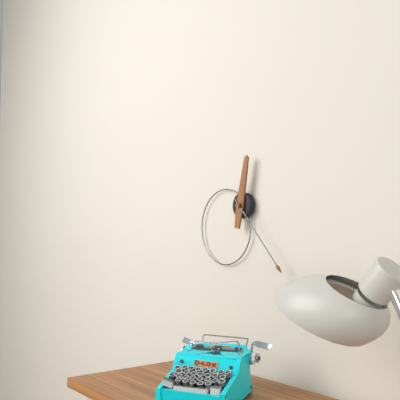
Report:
12:23
